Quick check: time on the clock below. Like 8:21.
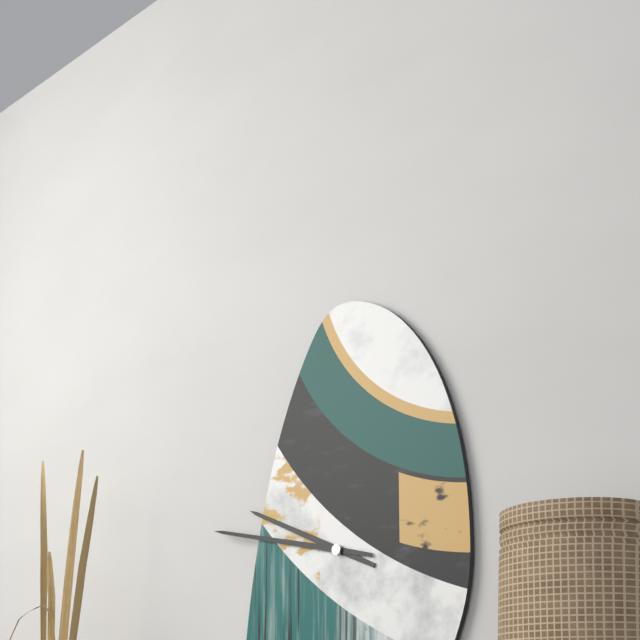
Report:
9:47
